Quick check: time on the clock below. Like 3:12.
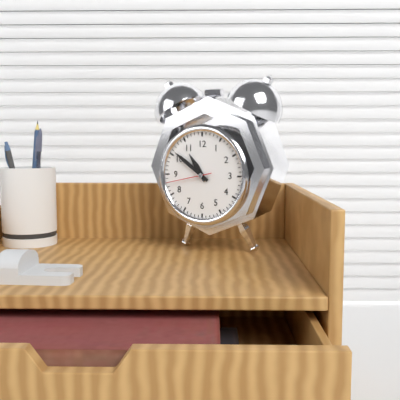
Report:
10:51
